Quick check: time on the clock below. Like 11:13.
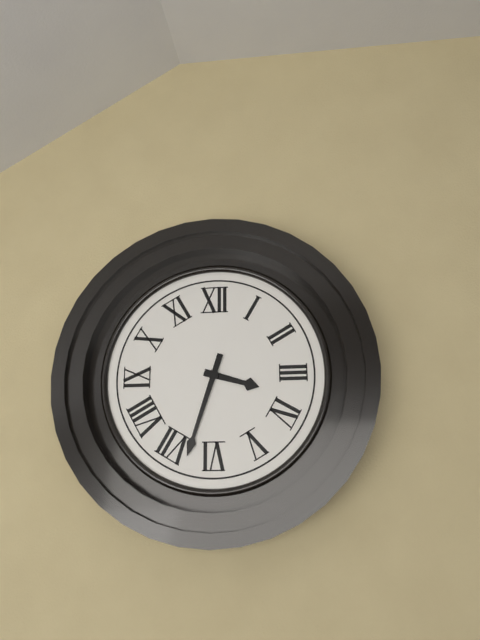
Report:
3:33
